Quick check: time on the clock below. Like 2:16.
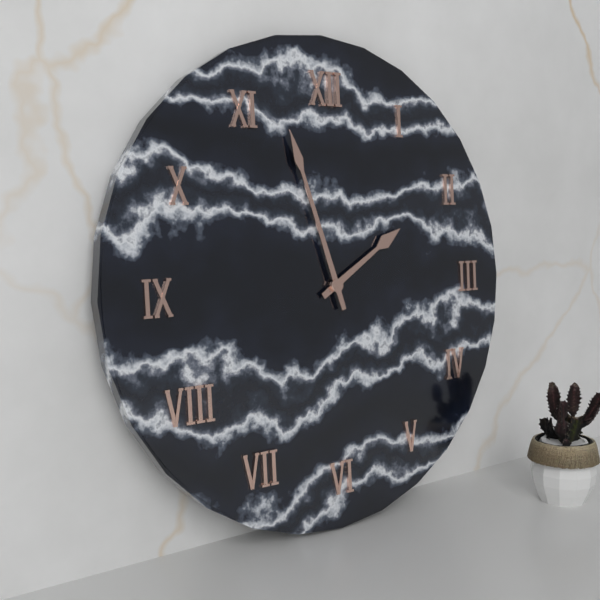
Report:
1:57
